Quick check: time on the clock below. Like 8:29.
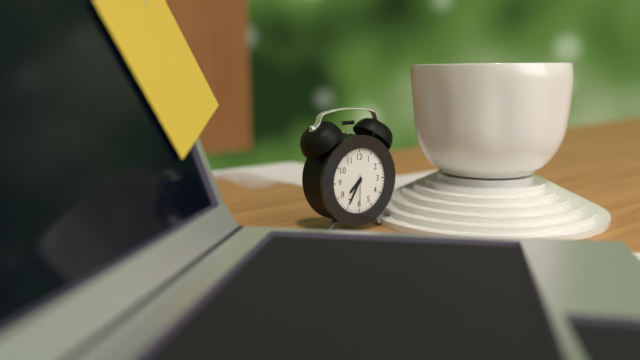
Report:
7:35
